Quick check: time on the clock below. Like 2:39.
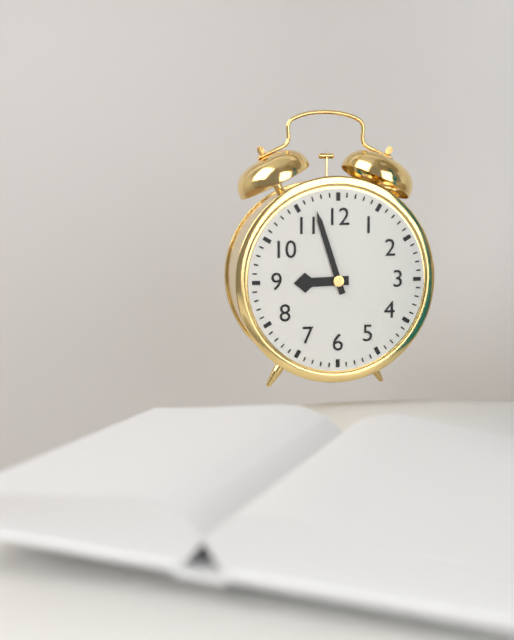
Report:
8:57
